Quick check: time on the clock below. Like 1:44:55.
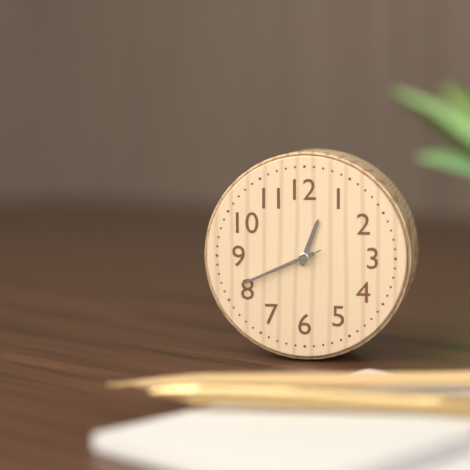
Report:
12:41:41
